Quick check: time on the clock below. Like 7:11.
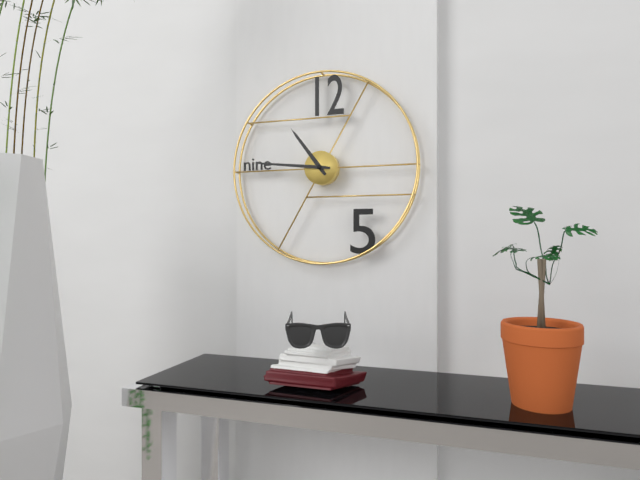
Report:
10:46
